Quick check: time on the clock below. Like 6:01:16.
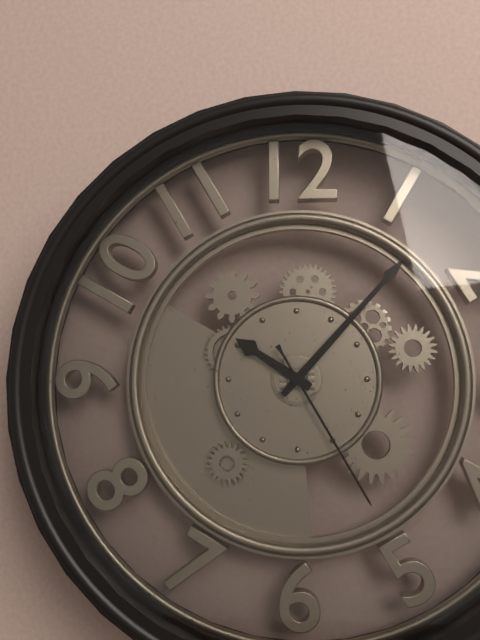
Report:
10:07:25
